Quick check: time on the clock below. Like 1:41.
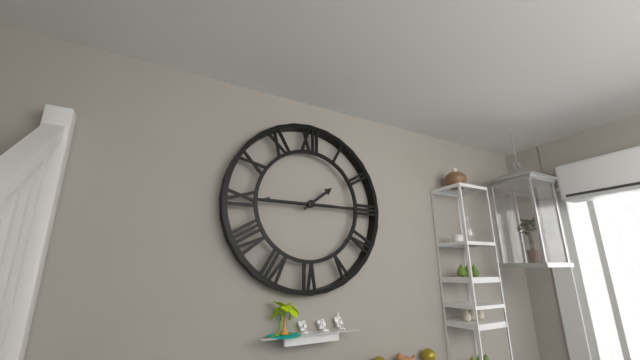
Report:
1:45
